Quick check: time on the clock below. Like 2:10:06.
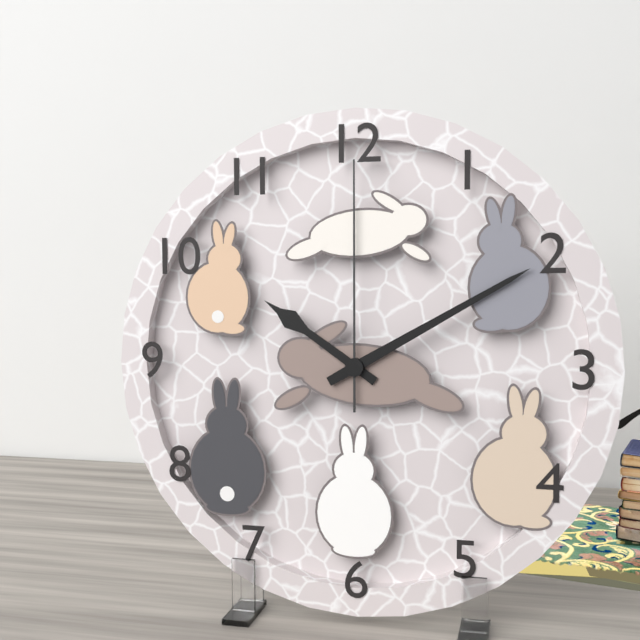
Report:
10:10:00
